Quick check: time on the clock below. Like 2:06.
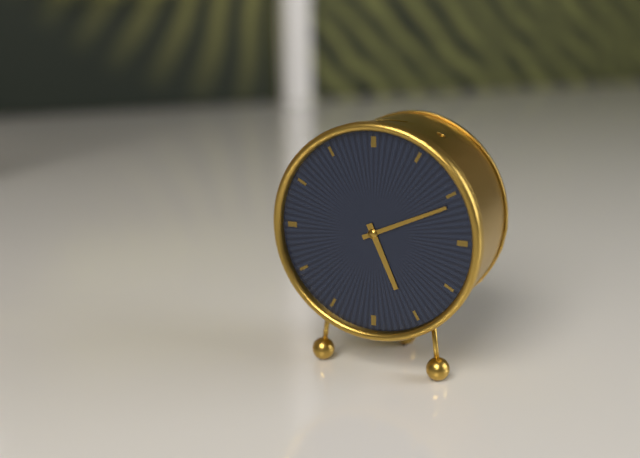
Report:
5:11
